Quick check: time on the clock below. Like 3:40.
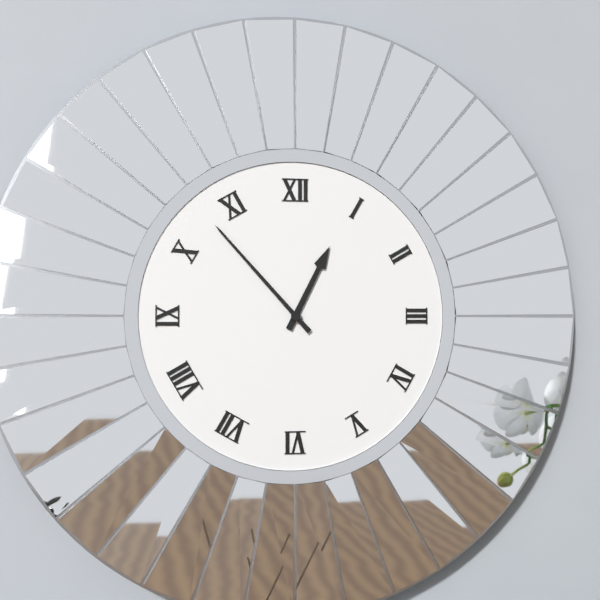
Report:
12:53
